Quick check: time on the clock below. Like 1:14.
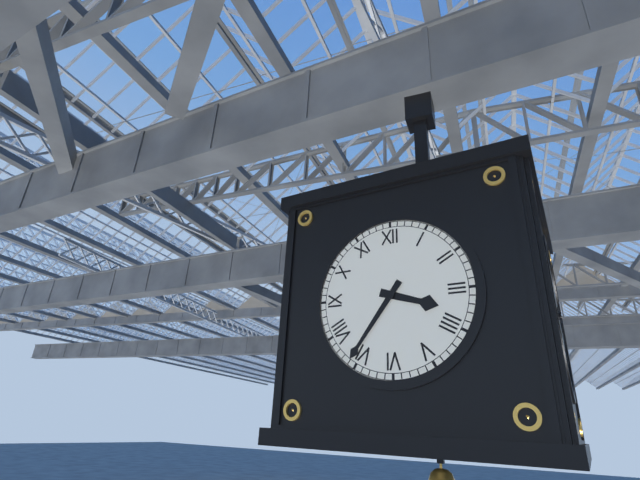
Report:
3:36
